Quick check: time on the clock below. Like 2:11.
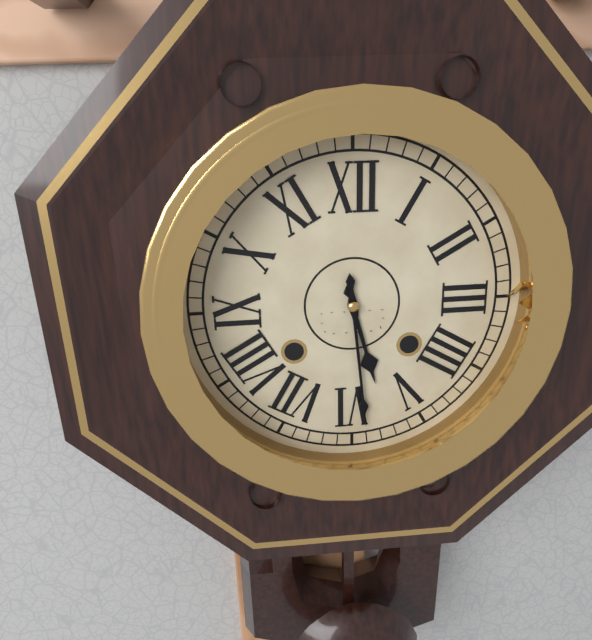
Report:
5:29
